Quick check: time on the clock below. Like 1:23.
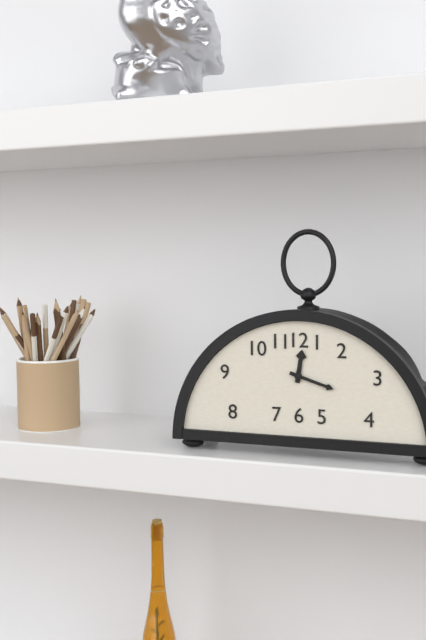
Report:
12:18
